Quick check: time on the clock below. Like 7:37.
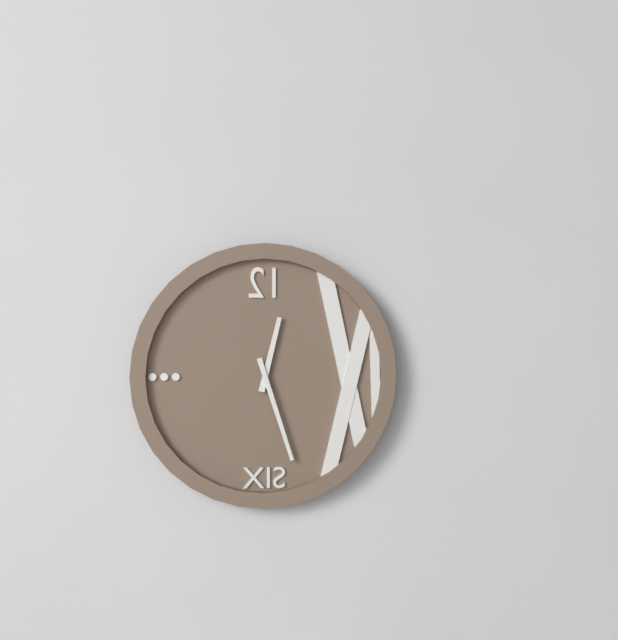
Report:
12:27
